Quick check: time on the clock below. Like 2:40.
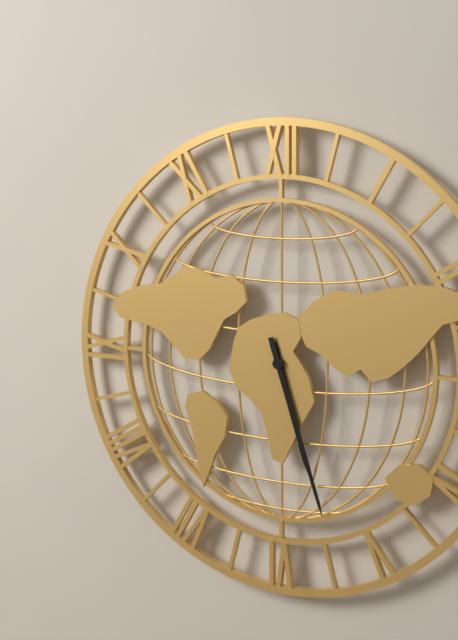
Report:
5:27
